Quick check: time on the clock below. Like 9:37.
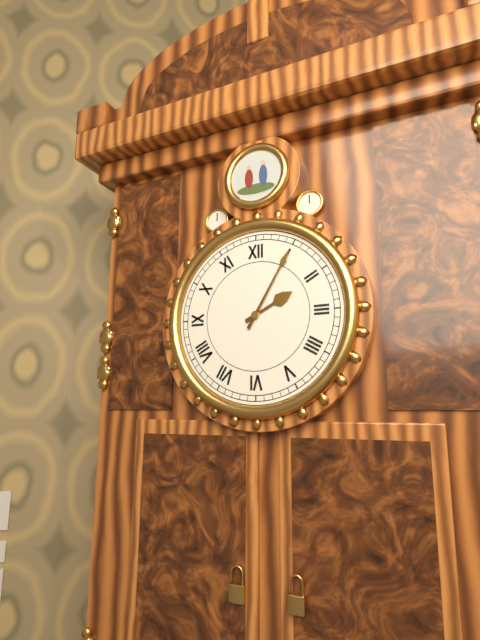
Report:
2:05
